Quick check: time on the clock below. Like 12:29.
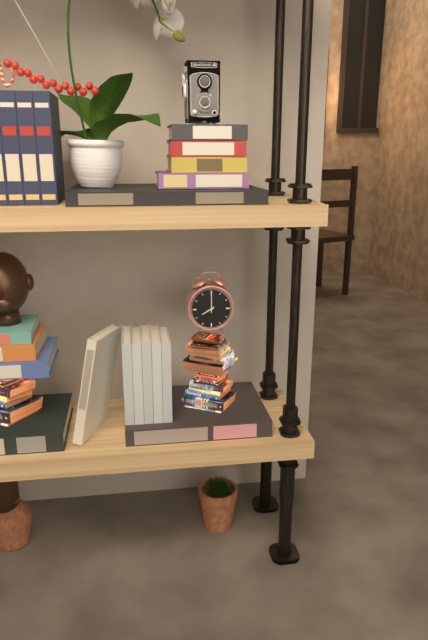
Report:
8:00
